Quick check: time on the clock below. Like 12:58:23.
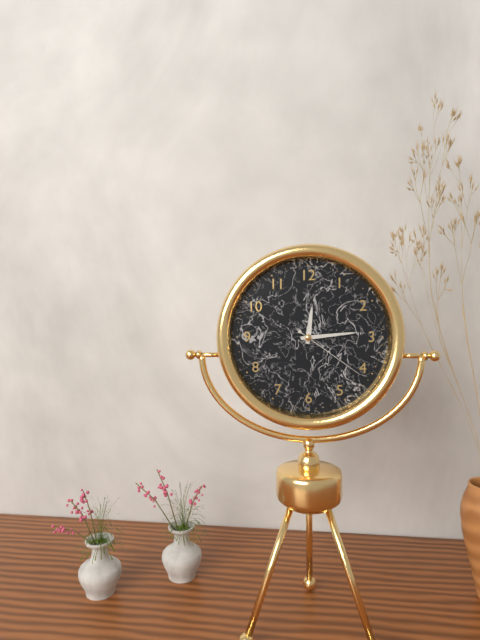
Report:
12:14:21
